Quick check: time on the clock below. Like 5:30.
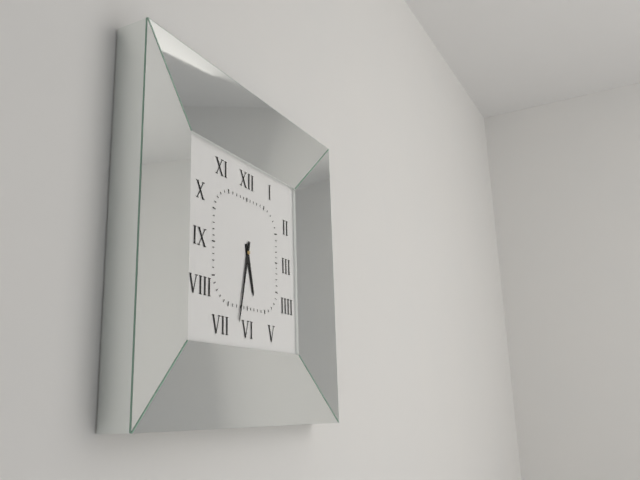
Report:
5:32
